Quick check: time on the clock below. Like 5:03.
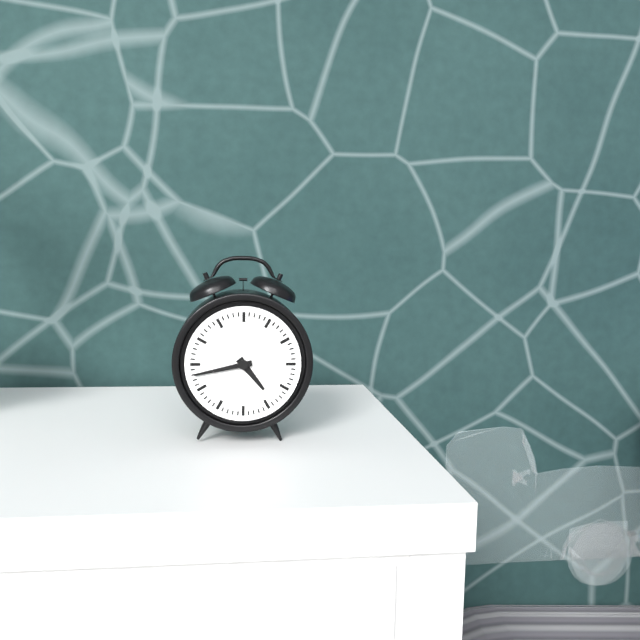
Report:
4:43
